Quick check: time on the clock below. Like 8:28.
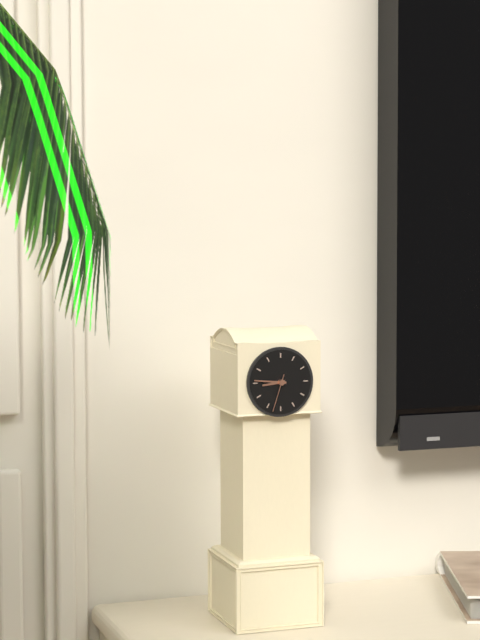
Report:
8:46
